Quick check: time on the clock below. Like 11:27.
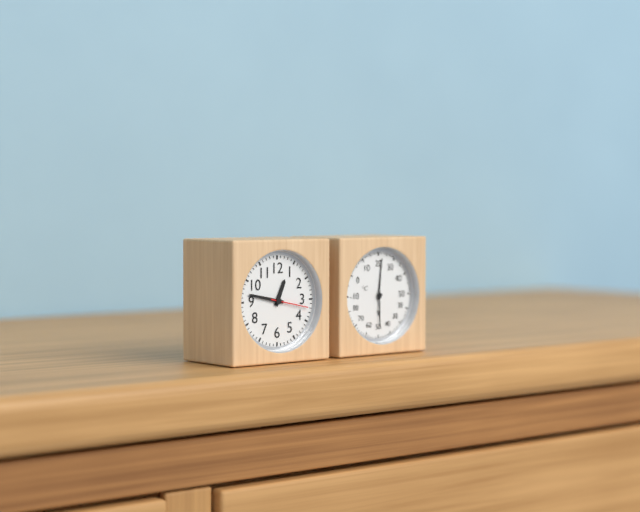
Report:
12:47
